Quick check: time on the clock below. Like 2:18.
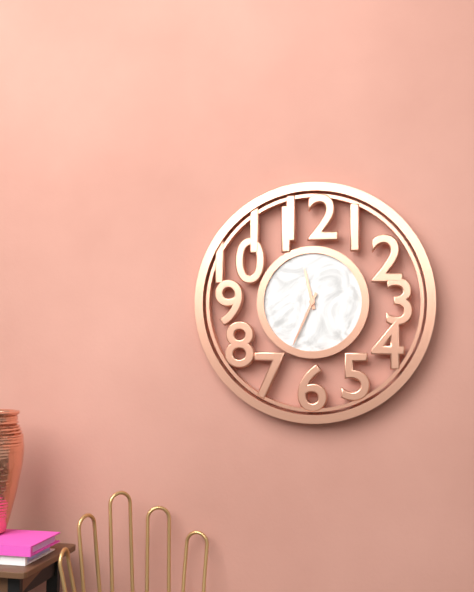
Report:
11:34
